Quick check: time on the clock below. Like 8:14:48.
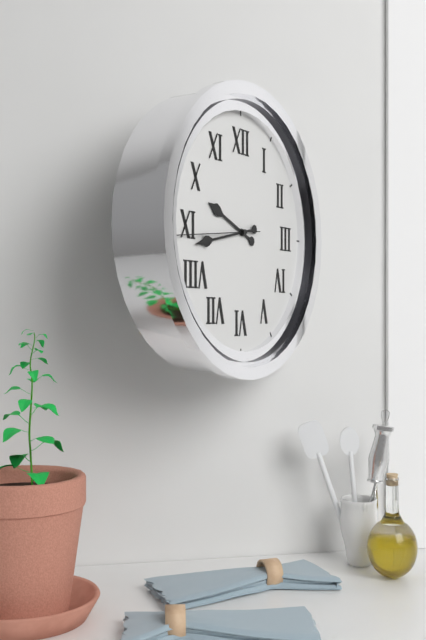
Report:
9:43:44
